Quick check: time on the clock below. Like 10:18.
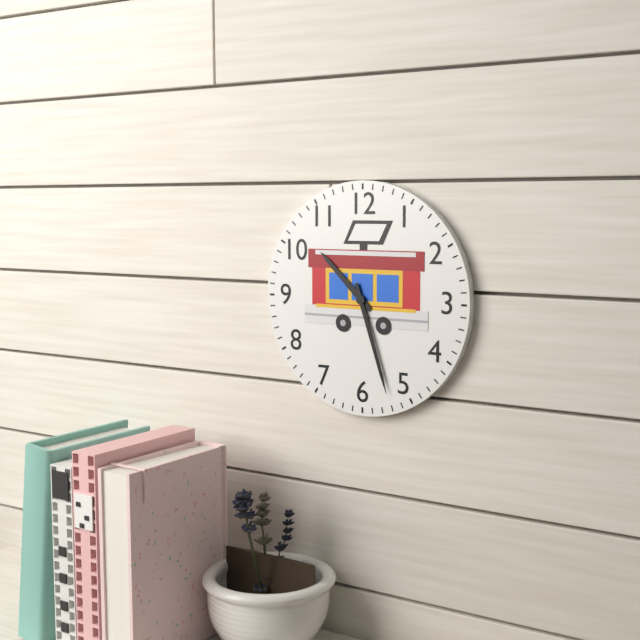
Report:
10:27
